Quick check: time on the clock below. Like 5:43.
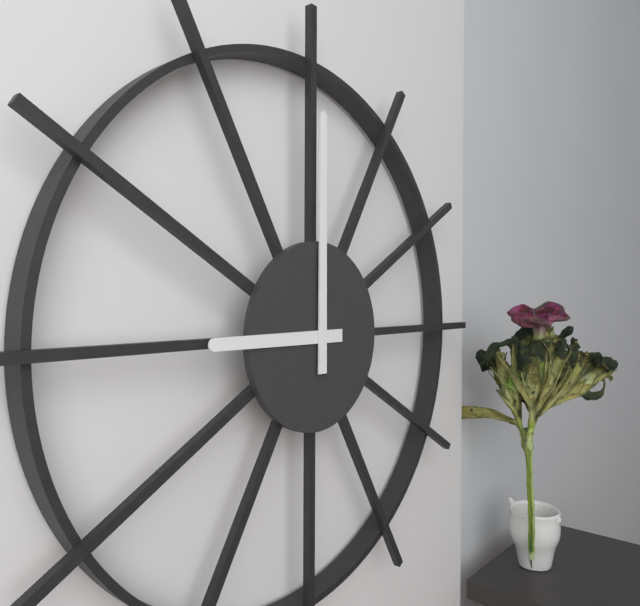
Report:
9:00
